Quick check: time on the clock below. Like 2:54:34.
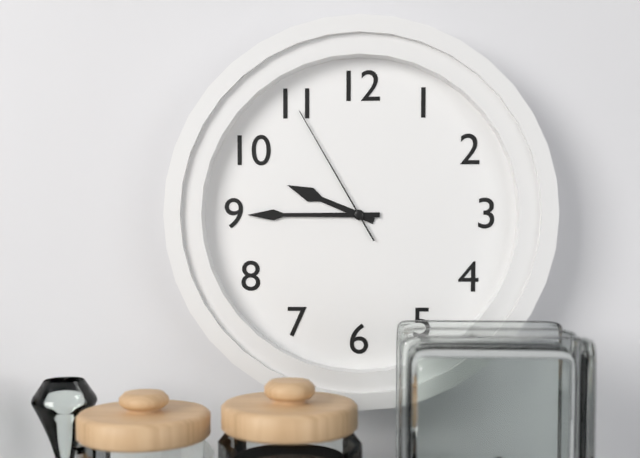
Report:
9:45:55
